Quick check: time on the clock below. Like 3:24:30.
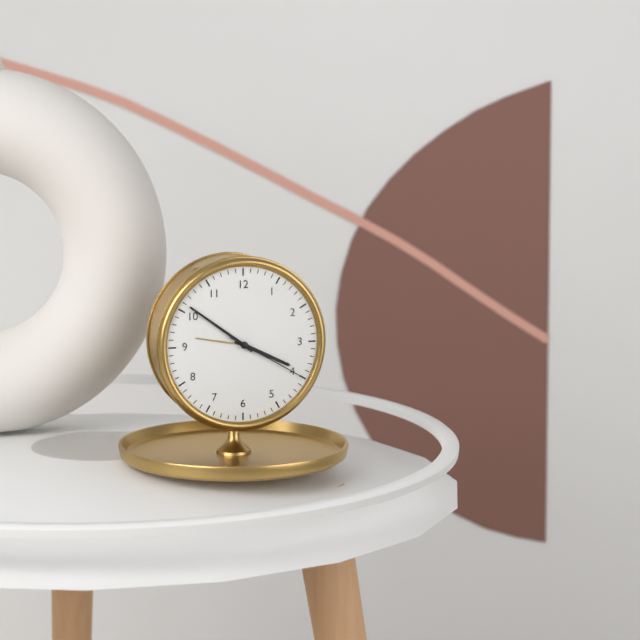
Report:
3:51:20
